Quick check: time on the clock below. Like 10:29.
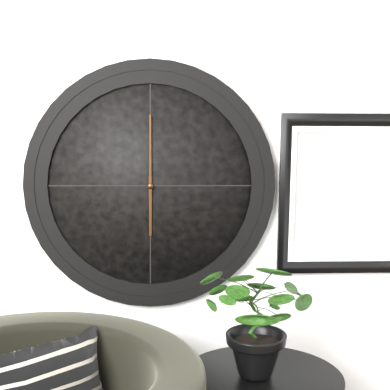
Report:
6:00
